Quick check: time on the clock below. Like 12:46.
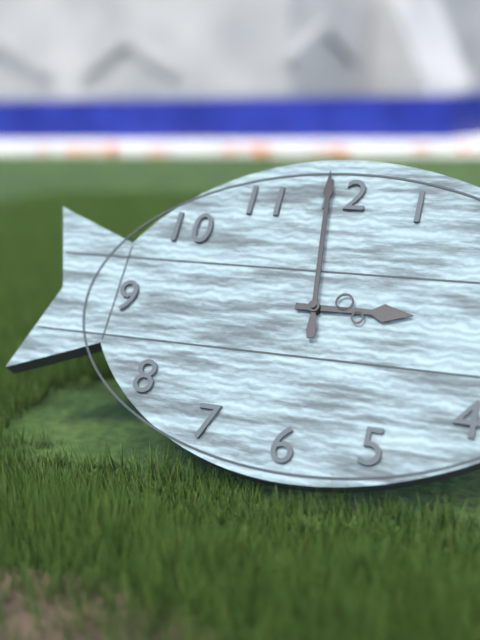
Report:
2:59
